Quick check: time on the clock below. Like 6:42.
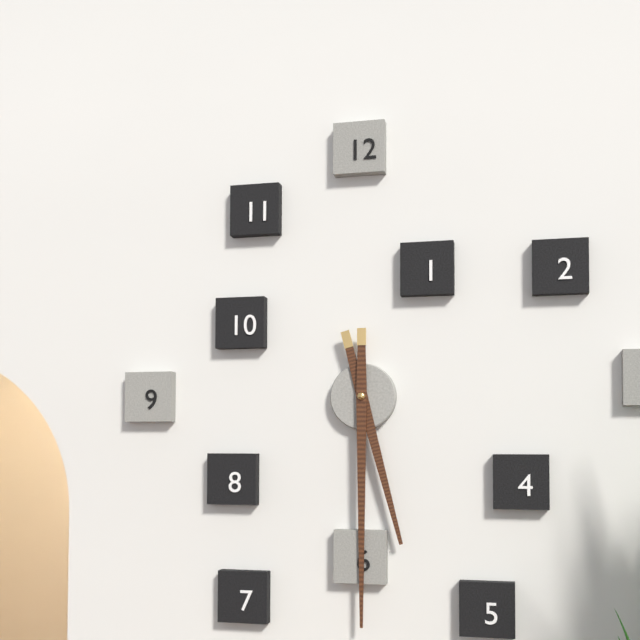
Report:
5:30
